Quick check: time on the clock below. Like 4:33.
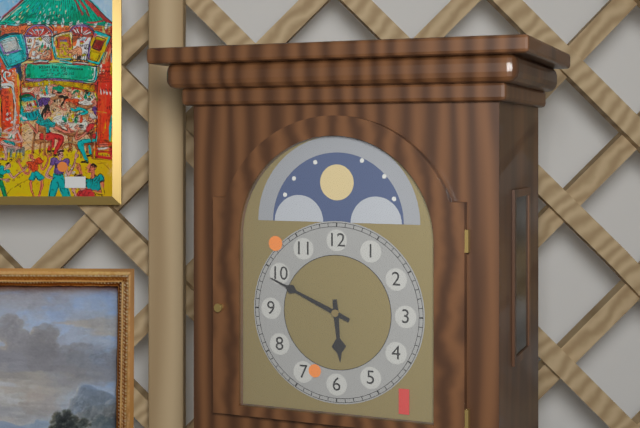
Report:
5:49
